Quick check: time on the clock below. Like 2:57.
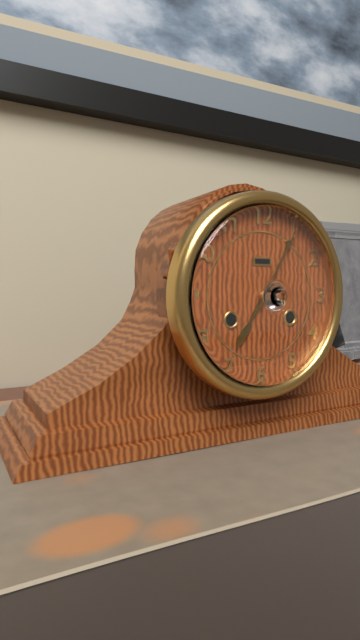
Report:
7:05
